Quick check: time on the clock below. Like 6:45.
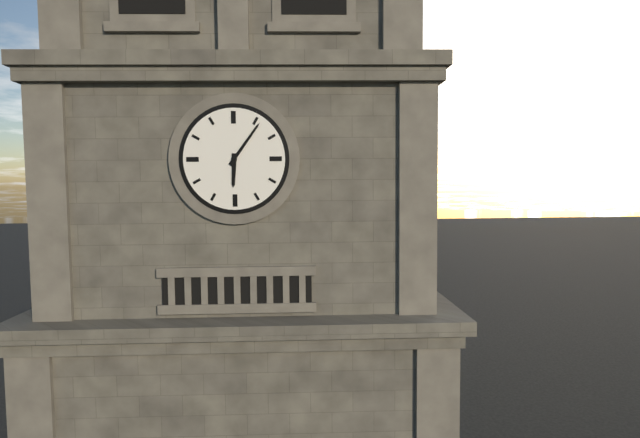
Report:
6:06
